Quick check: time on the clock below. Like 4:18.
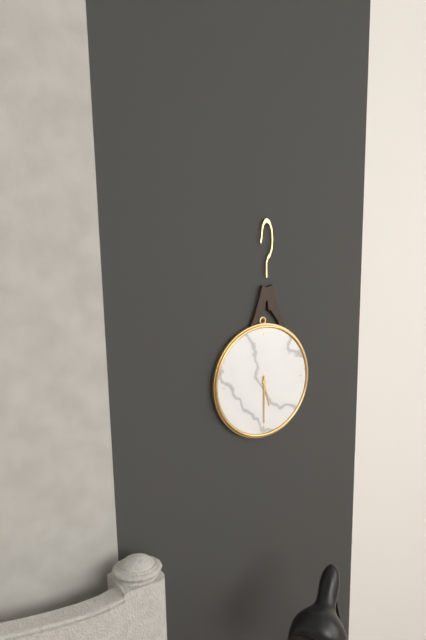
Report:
5:30
